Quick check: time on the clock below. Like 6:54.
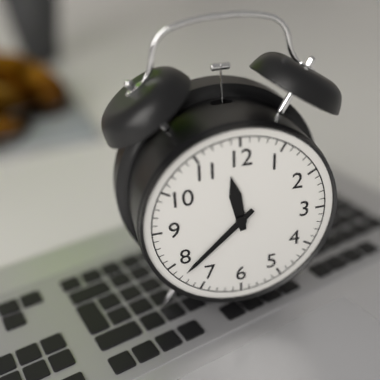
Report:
11:38
